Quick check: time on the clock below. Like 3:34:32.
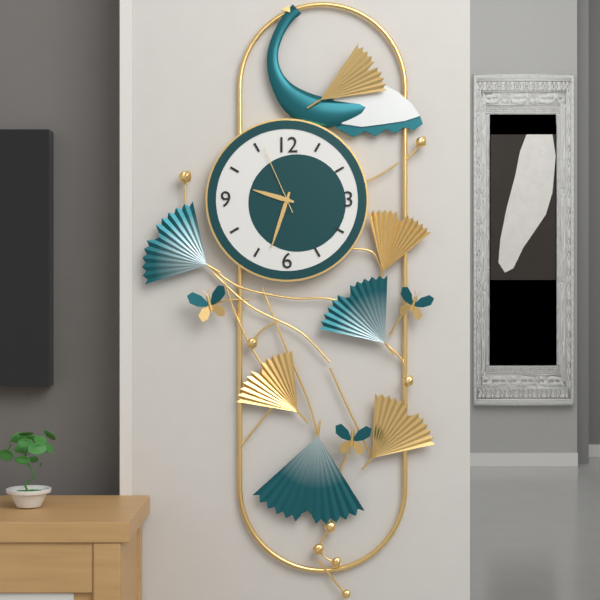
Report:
9:33:56
